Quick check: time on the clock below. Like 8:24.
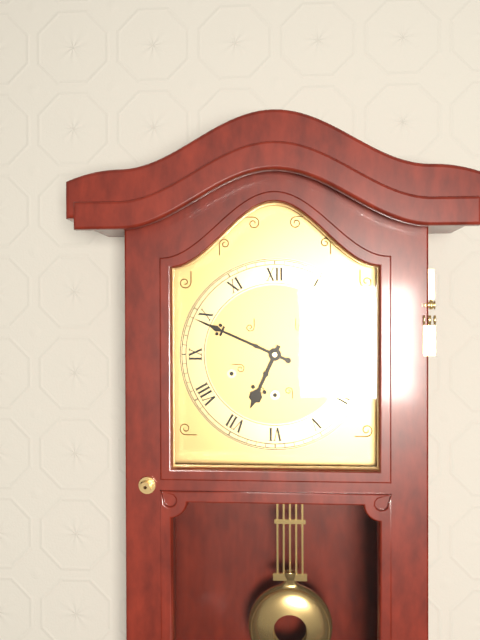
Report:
6:49
